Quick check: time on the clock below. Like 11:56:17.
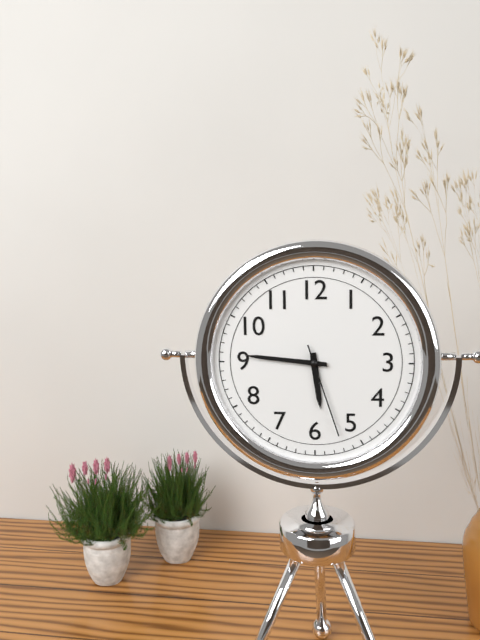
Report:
5:46:27
